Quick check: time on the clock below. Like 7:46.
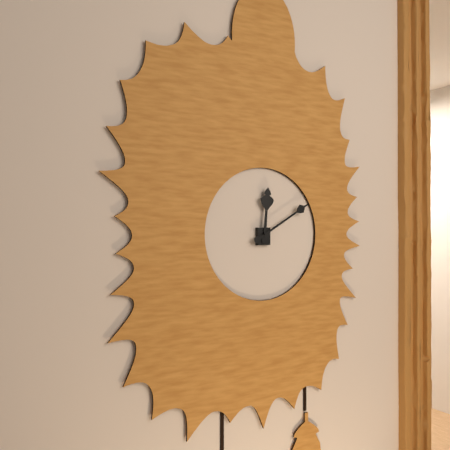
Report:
12:10
